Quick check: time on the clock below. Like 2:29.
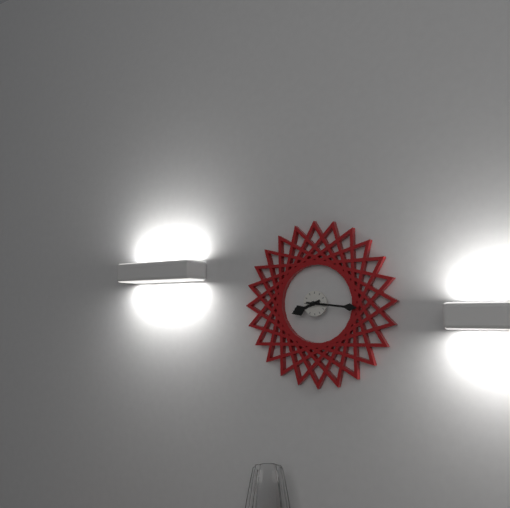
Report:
8:16
